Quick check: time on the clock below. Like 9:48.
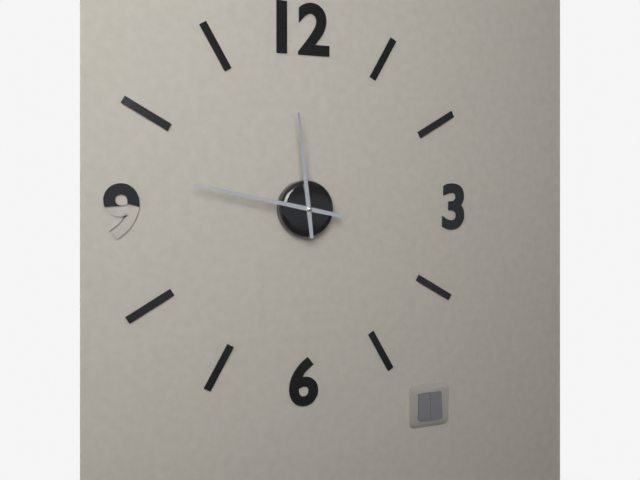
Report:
11:47
